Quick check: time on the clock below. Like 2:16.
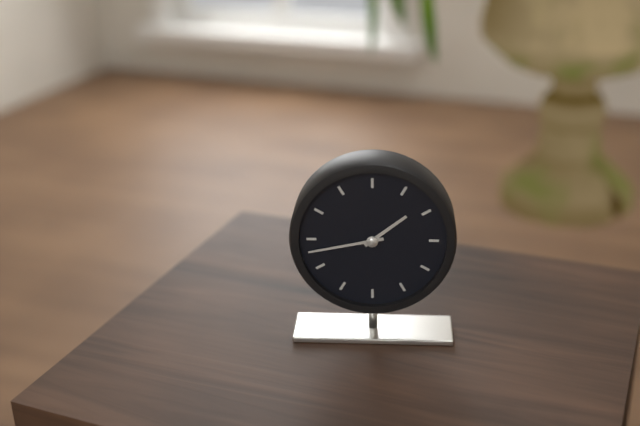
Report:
1:43
